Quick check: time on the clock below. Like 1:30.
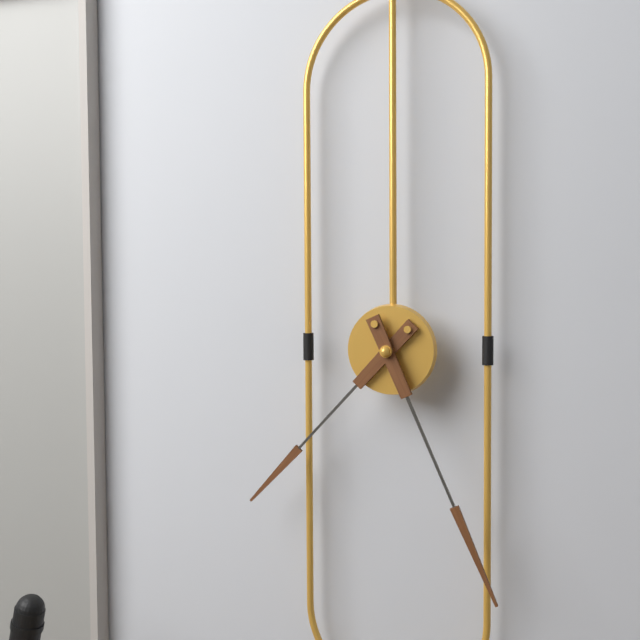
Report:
7:26
